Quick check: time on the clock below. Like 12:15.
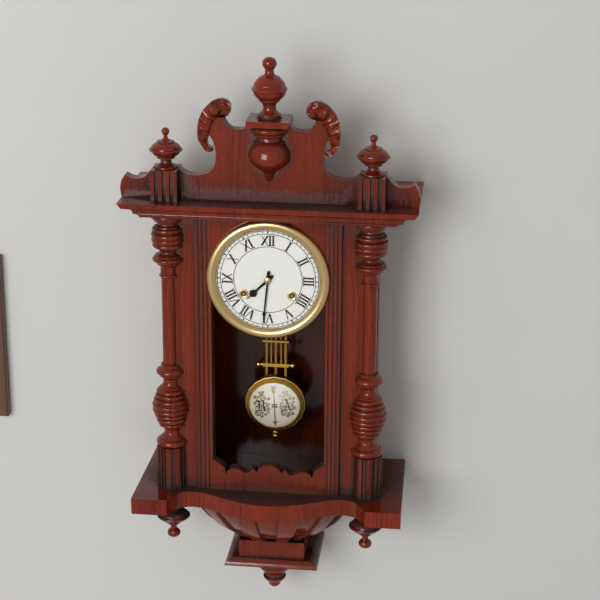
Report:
7:31
